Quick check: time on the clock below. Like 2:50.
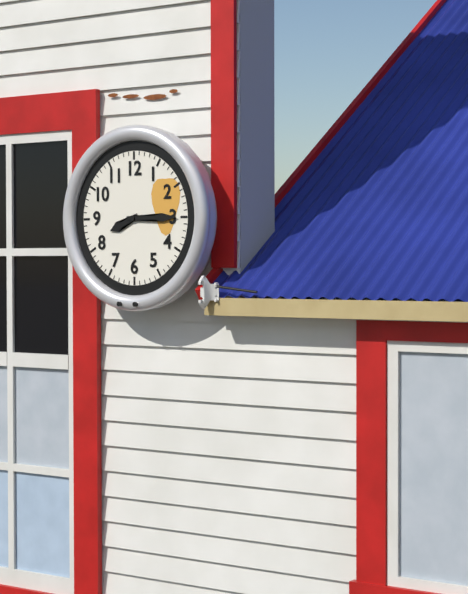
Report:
8:15
